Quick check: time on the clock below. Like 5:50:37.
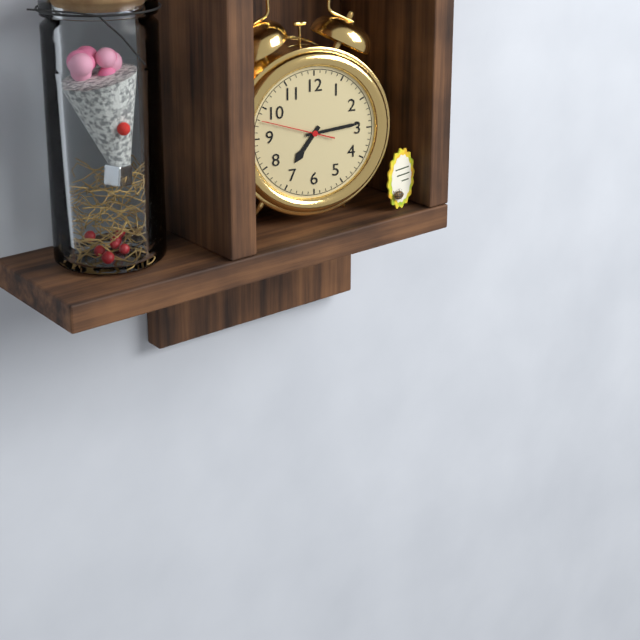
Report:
7:14:48
